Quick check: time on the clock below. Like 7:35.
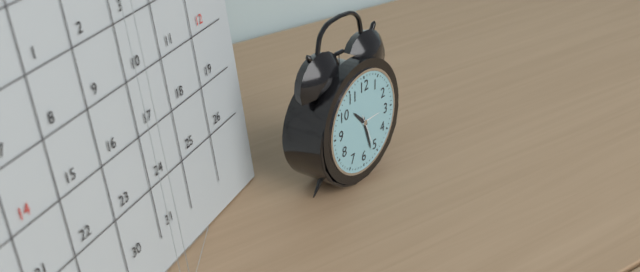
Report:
10:27
